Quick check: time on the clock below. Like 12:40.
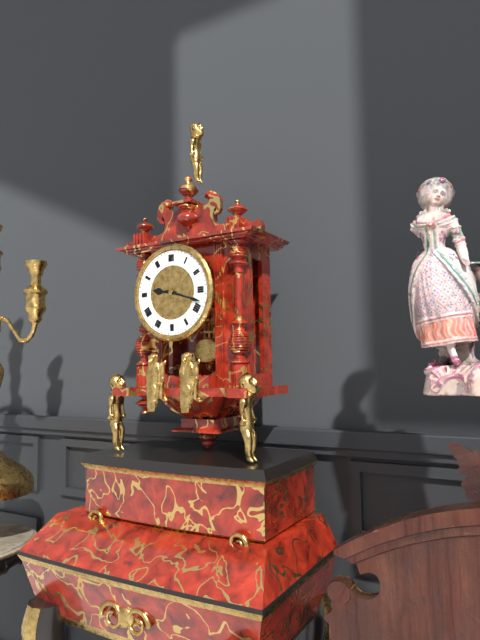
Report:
9:18
